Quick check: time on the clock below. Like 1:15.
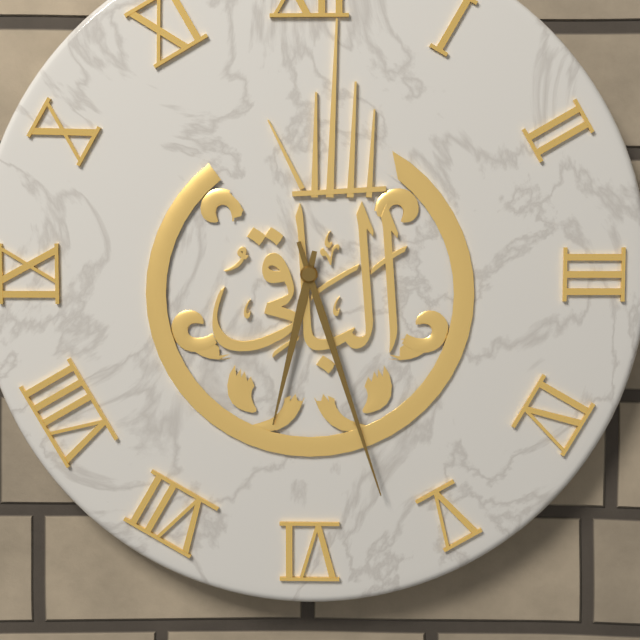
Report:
6:27
